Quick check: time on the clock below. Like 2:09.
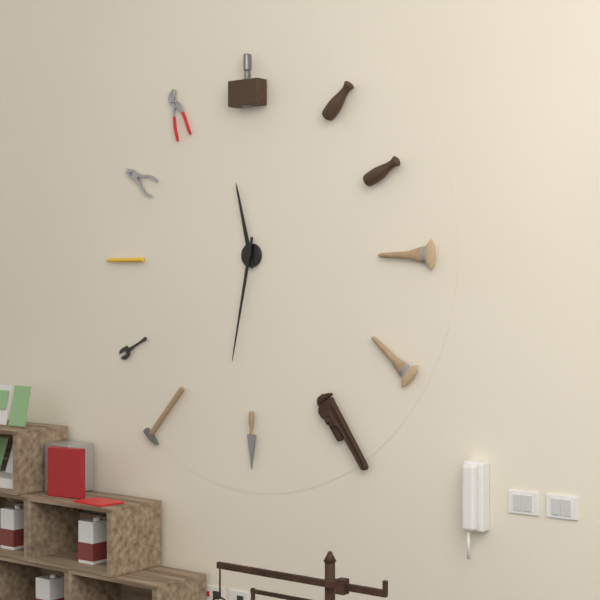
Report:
11:32
